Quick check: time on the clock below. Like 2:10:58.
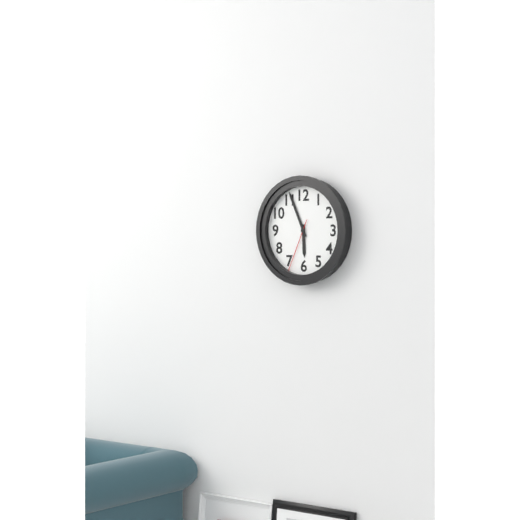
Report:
5:56:34
